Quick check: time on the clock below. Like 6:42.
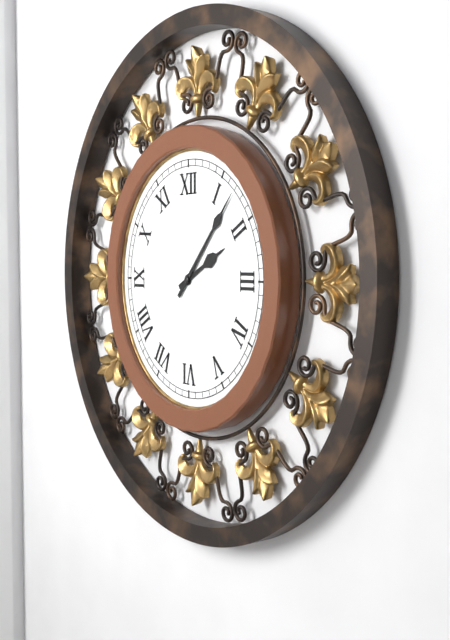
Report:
2:07
